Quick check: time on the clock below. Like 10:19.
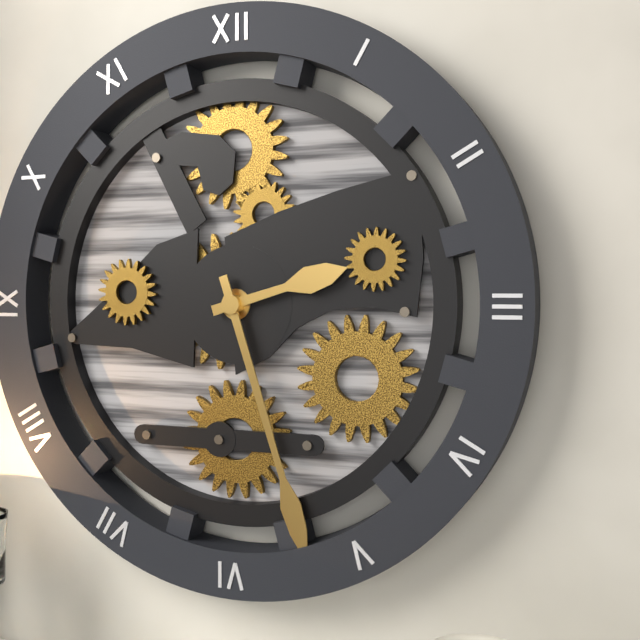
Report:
2:27
